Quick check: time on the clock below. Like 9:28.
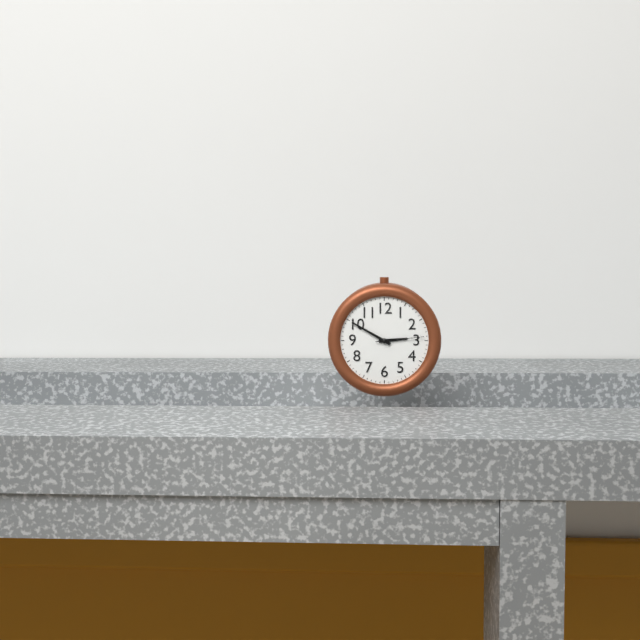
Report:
2:50
